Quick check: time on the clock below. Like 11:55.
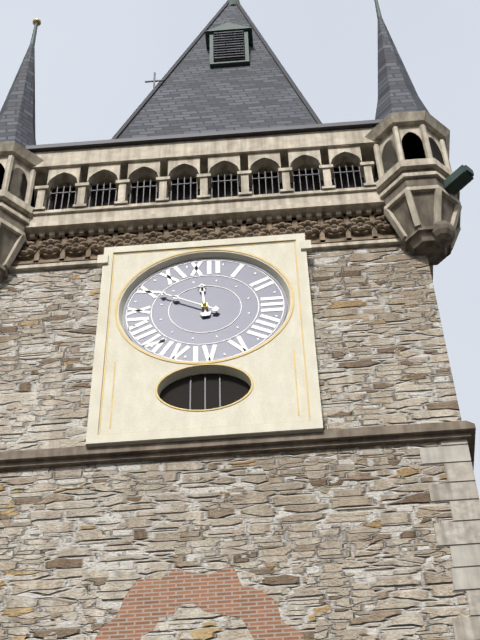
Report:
11:50
